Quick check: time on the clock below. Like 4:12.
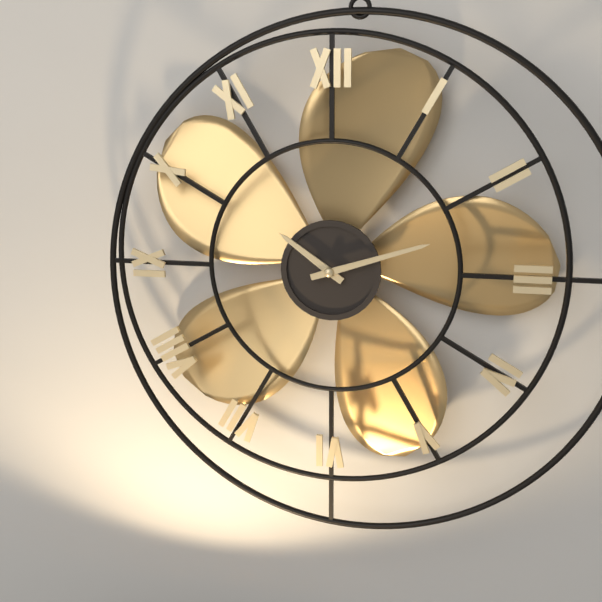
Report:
10:12
